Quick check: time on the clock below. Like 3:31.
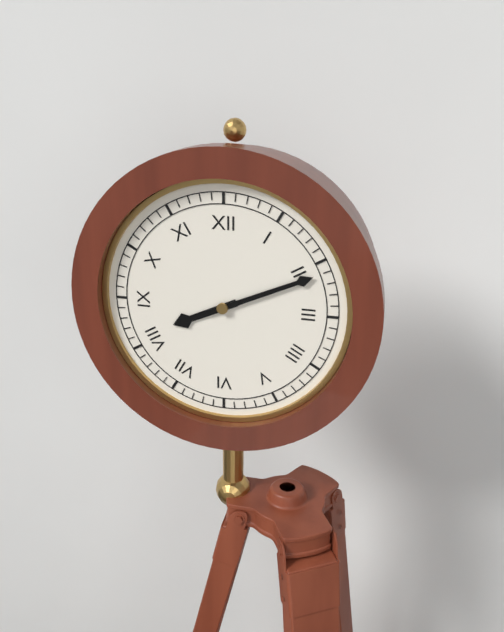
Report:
8:11
